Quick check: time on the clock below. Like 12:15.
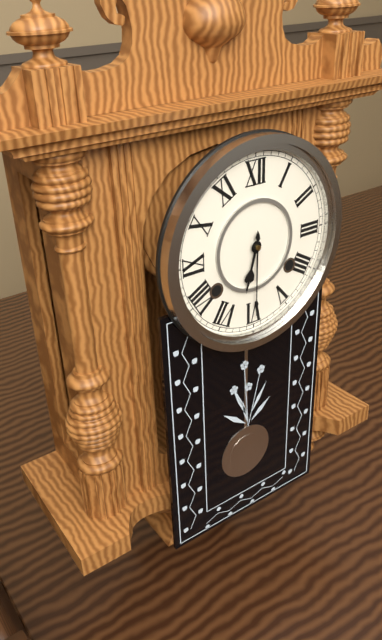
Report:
6:30
